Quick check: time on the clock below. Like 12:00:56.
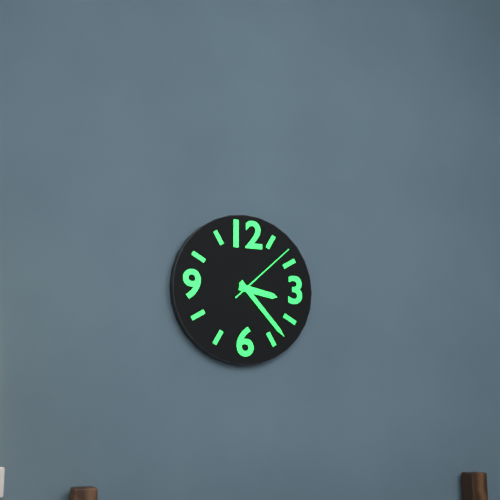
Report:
3:23:08
